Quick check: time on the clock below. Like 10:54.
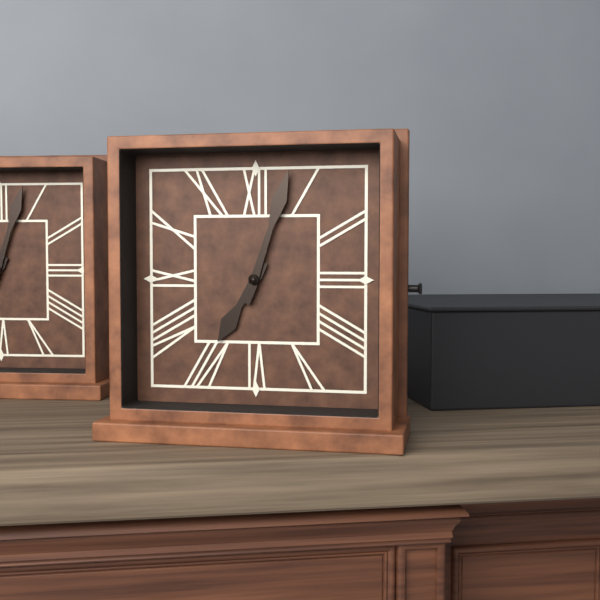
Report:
7:03
